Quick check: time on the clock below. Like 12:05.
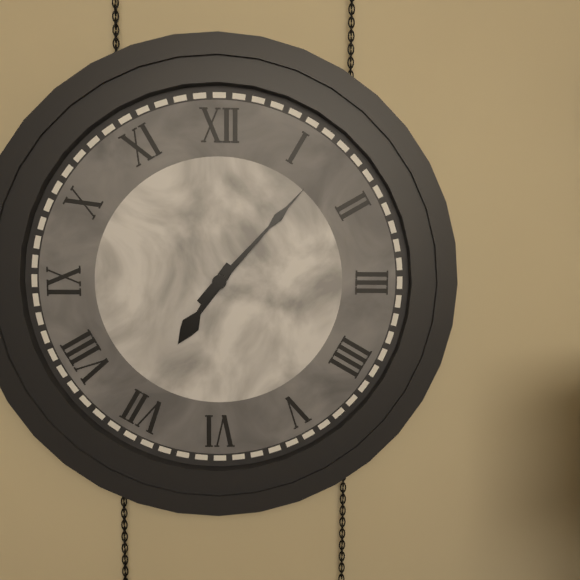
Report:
7:07
